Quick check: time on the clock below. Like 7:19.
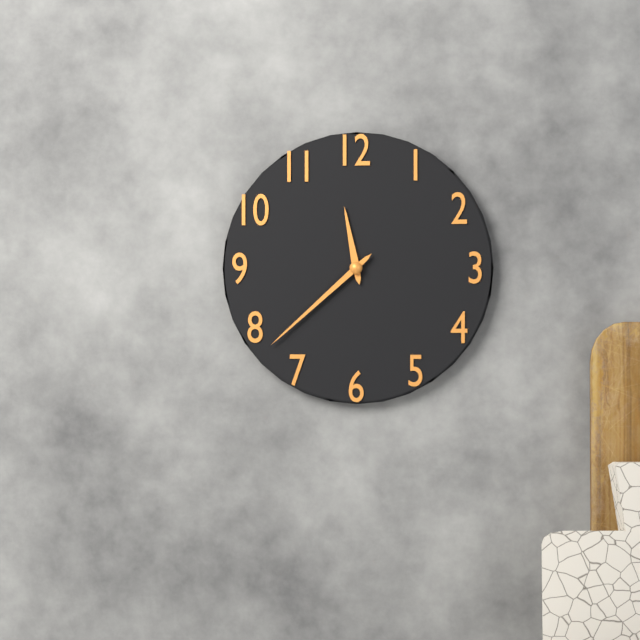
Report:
11:38
